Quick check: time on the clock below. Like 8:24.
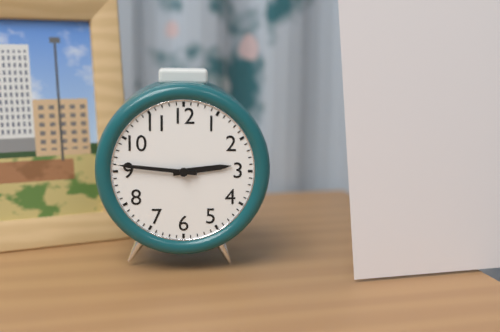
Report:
2:46
